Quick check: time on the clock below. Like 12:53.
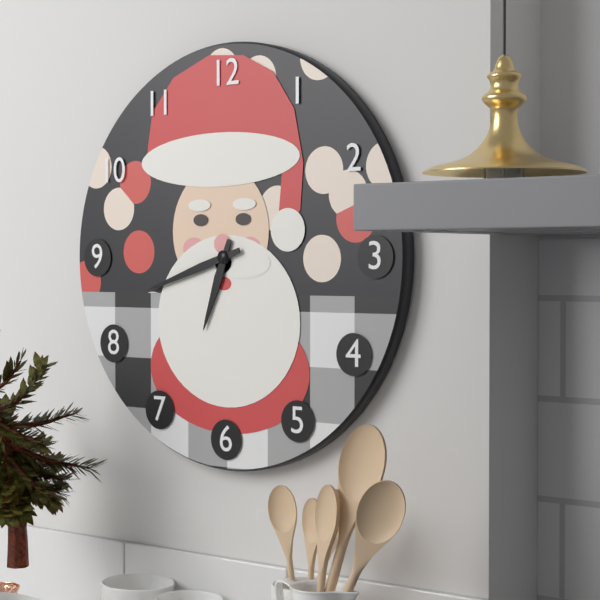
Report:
6:42
